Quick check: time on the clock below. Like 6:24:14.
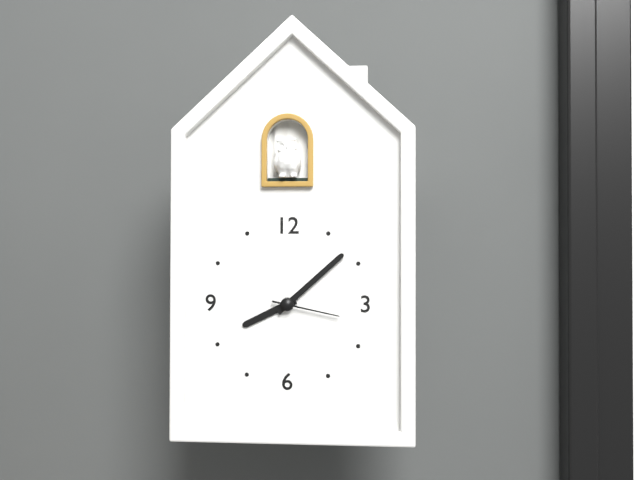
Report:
8:08:17
